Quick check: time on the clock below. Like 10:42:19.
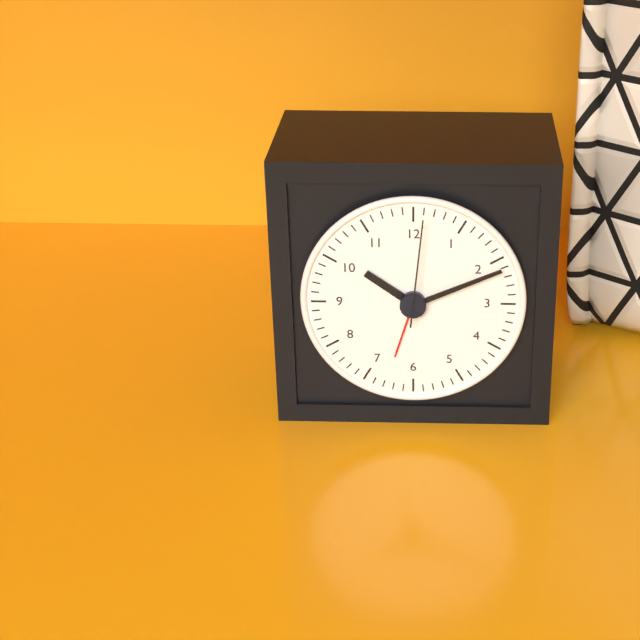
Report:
10:11:01
